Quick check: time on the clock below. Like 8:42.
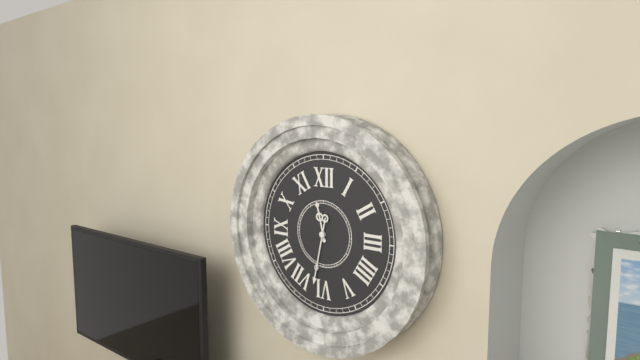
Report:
11:32
